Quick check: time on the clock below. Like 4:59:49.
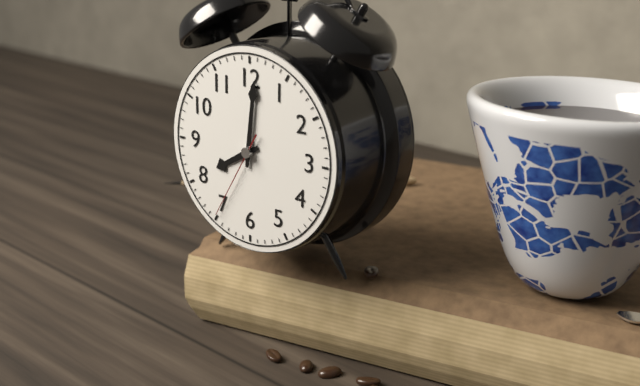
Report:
8:01:35
